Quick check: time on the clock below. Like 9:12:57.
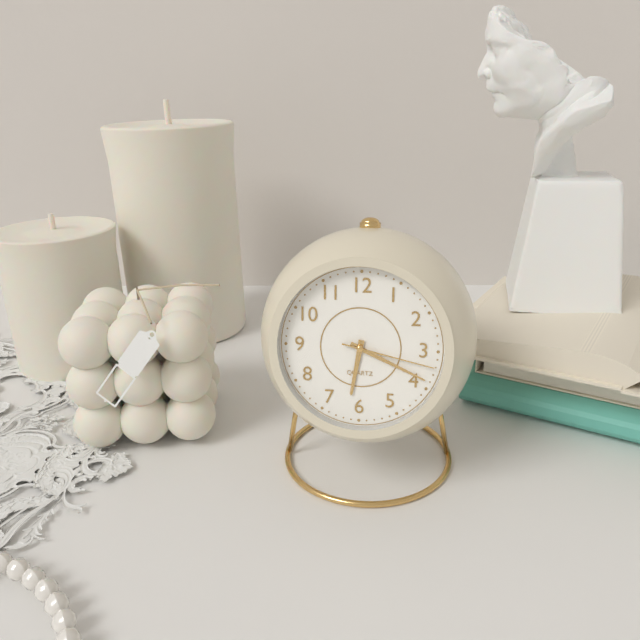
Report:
6:19:17
